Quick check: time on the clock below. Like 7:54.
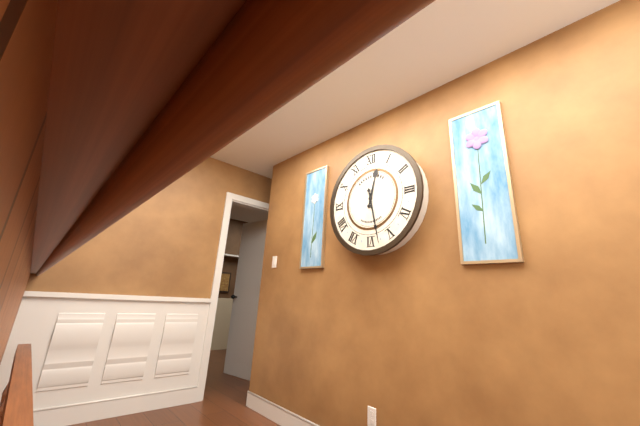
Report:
12:28
